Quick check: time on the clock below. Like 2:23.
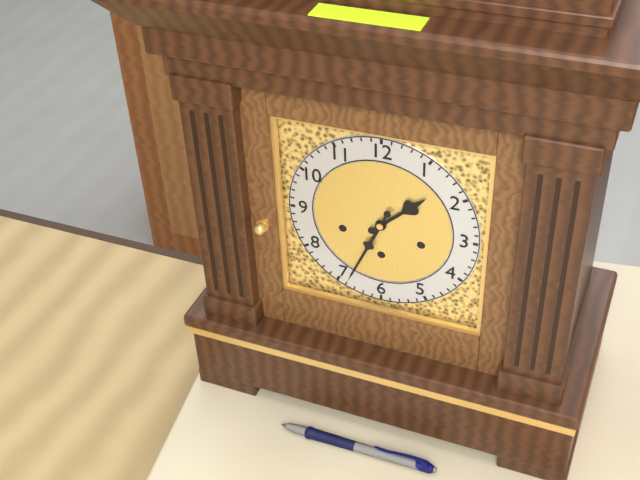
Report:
1:34
